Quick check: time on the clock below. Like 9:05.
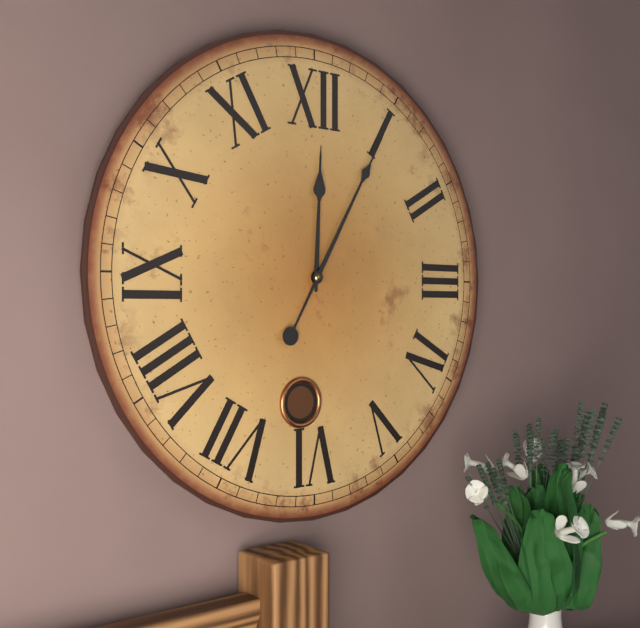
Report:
12:05
